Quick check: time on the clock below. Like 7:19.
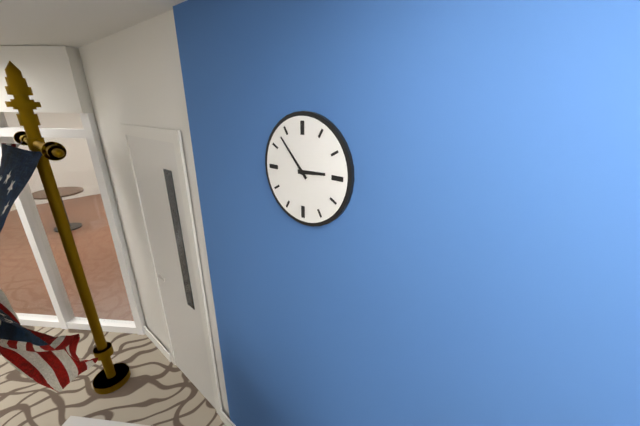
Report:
2:53
